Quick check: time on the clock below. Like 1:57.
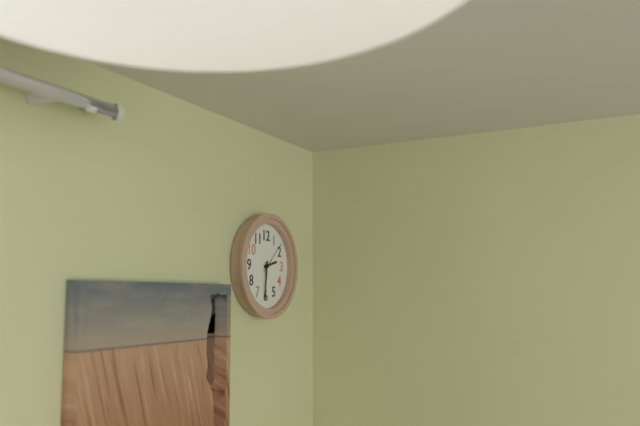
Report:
2:31
